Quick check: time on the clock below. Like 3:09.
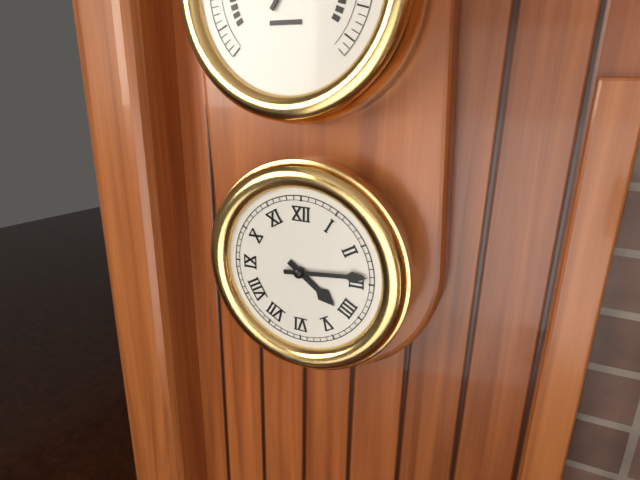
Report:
4:14
